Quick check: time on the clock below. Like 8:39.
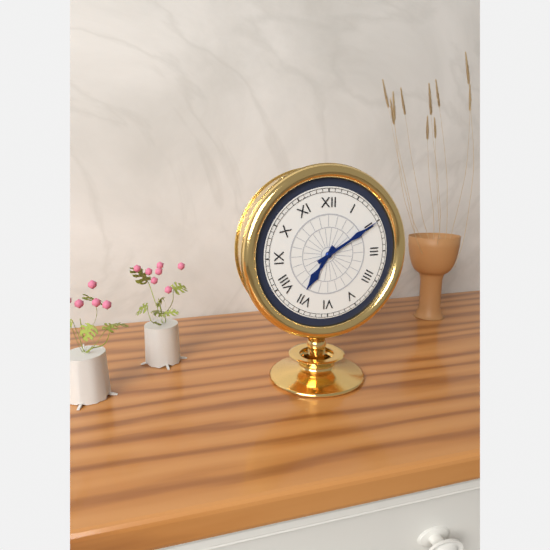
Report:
7:10
